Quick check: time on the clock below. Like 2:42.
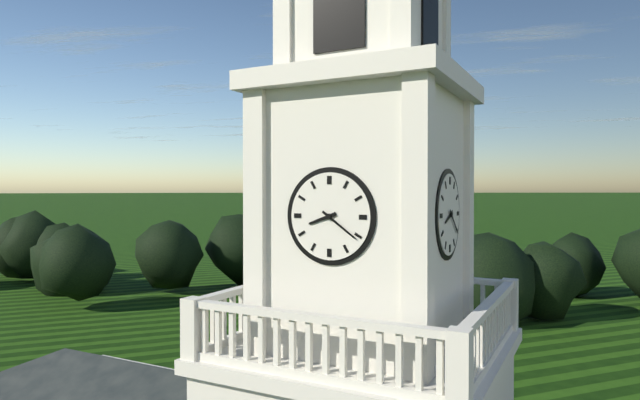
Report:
8:21
